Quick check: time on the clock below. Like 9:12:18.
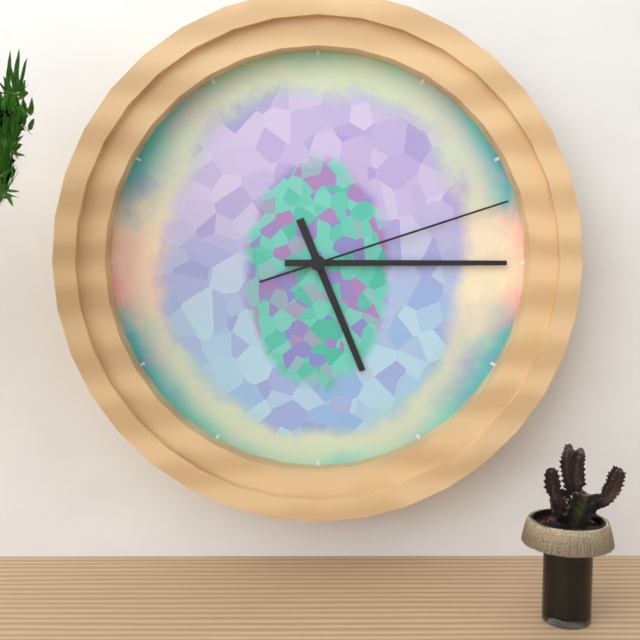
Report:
5:15:12
